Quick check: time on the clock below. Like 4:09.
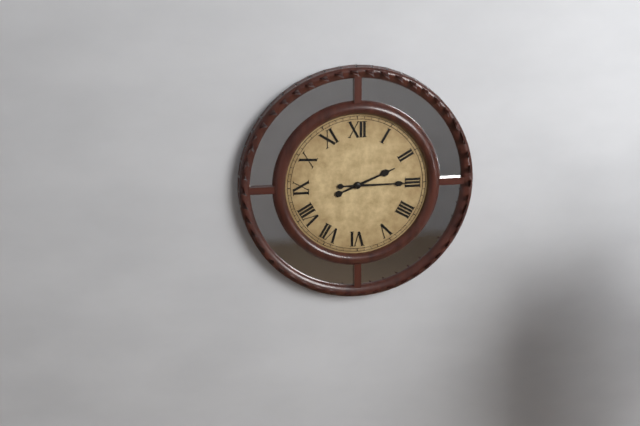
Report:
2:15
